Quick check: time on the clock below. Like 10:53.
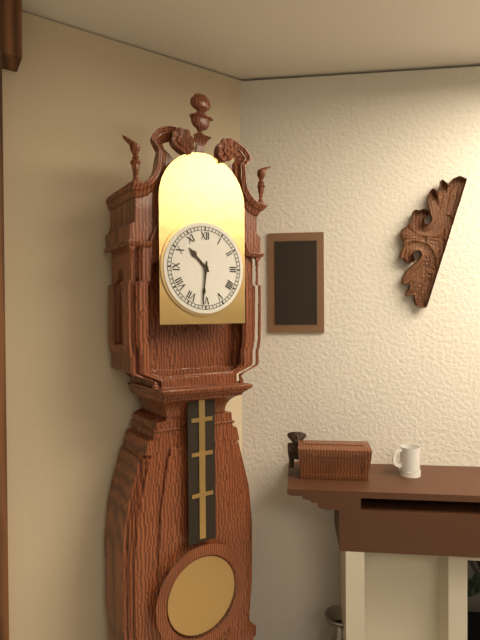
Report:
10:31
